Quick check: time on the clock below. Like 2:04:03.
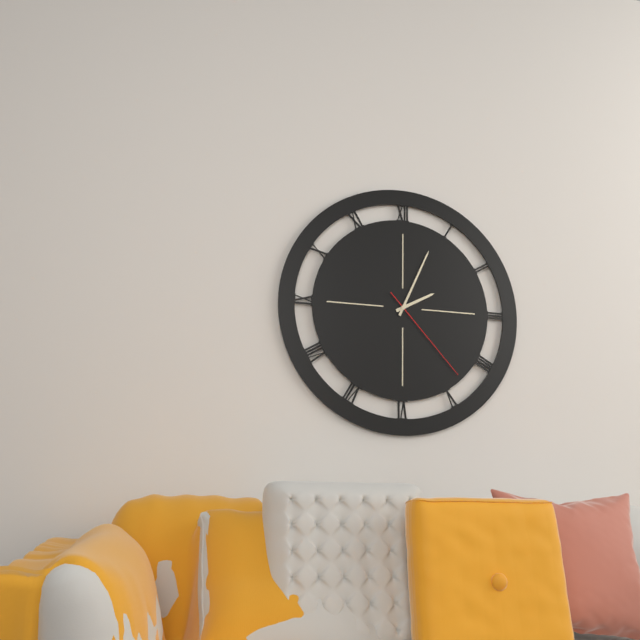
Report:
2:04:23
